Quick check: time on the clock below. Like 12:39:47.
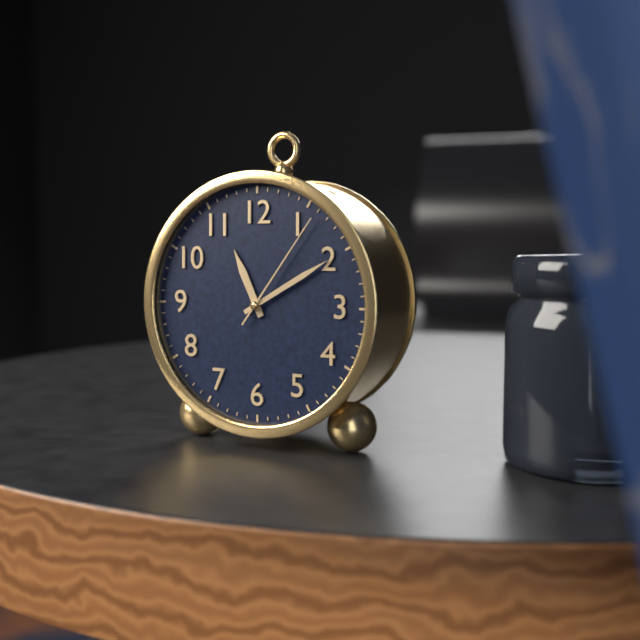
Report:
11:10:06
